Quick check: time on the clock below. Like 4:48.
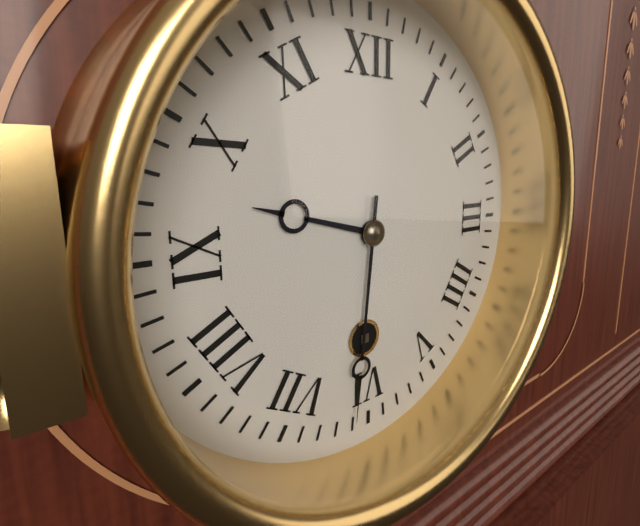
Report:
9:31
